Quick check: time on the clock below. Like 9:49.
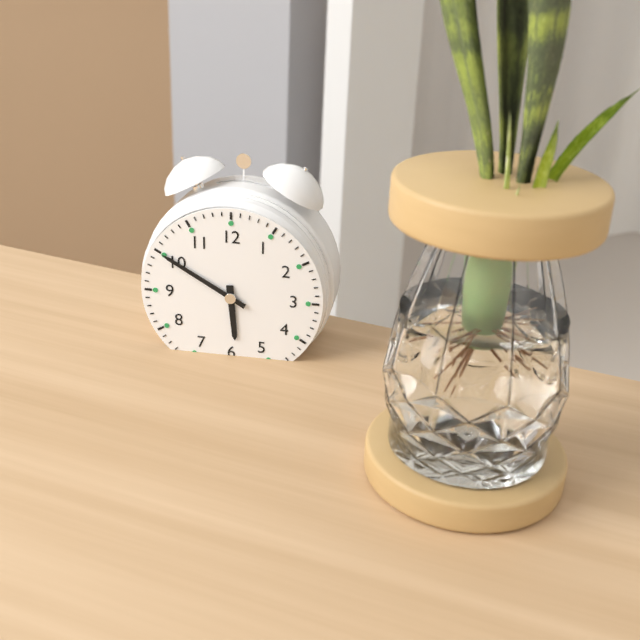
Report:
5:50
